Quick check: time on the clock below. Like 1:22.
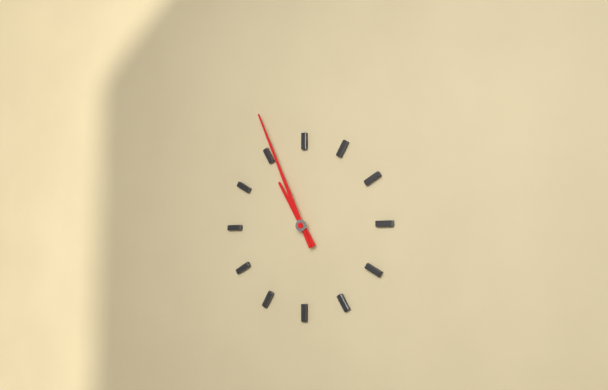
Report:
10:56
